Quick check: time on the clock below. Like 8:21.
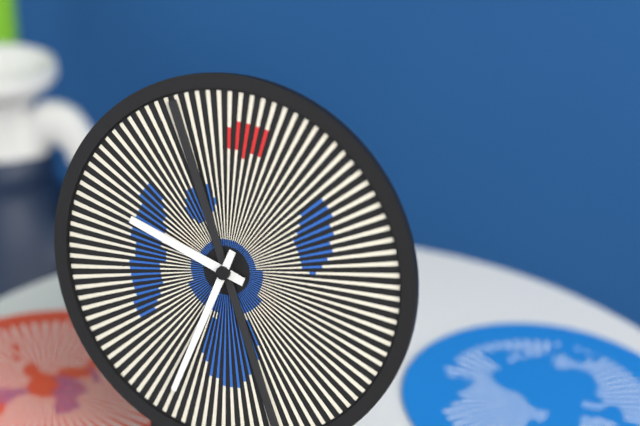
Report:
9:33
